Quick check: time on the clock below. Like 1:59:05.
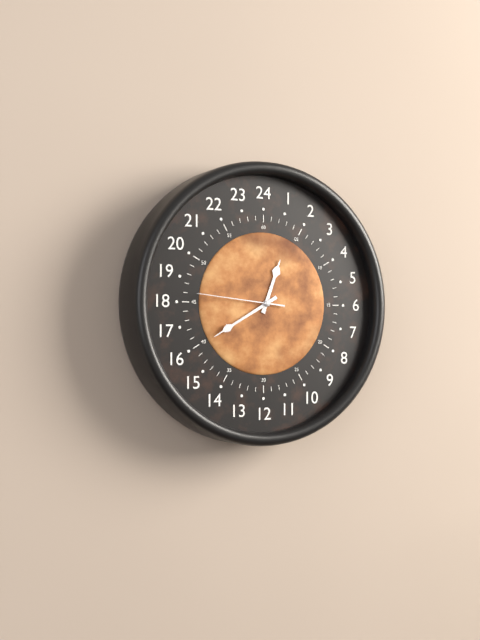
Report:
12:40:46
